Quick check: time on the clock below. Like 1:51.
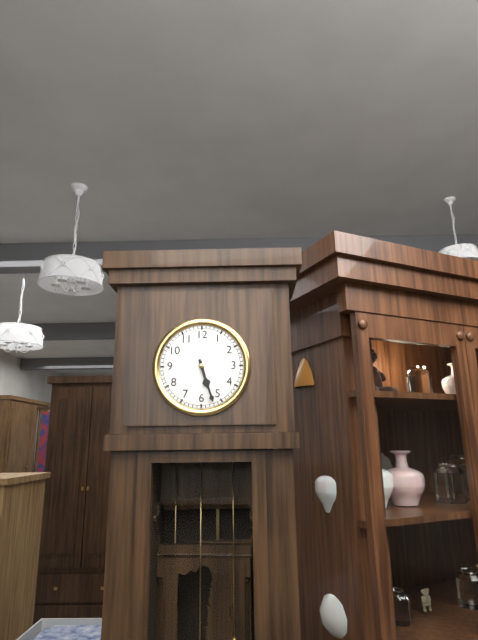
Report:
5:27
